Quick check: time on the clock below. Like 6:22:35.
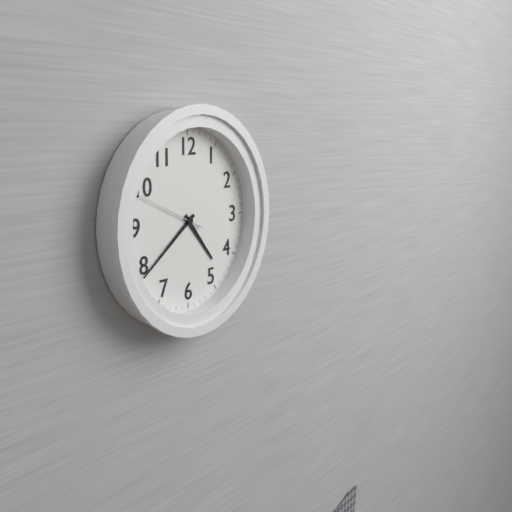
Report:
4:39:49
